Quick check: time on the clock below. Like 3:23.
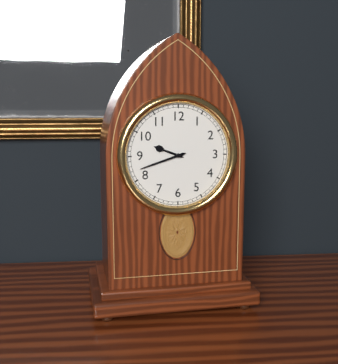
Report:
9:42
